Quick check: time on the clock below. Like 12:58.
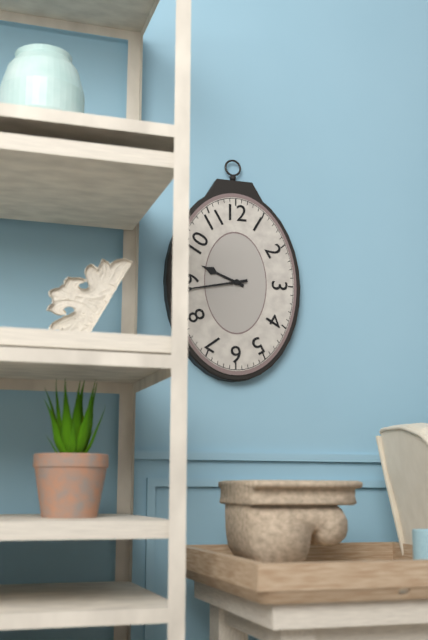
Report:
9:43
